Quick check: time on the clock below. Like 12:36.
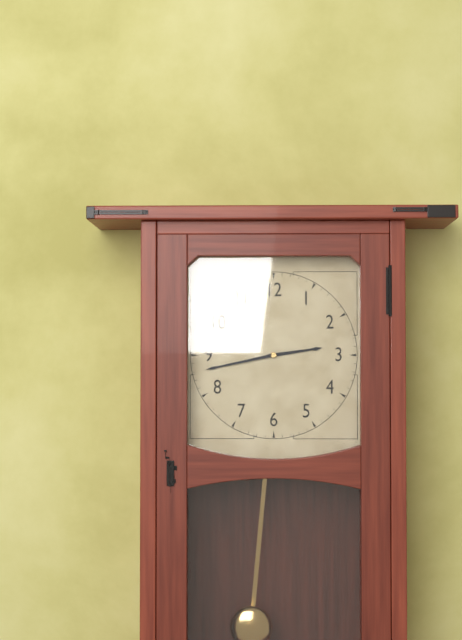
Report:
2:43
